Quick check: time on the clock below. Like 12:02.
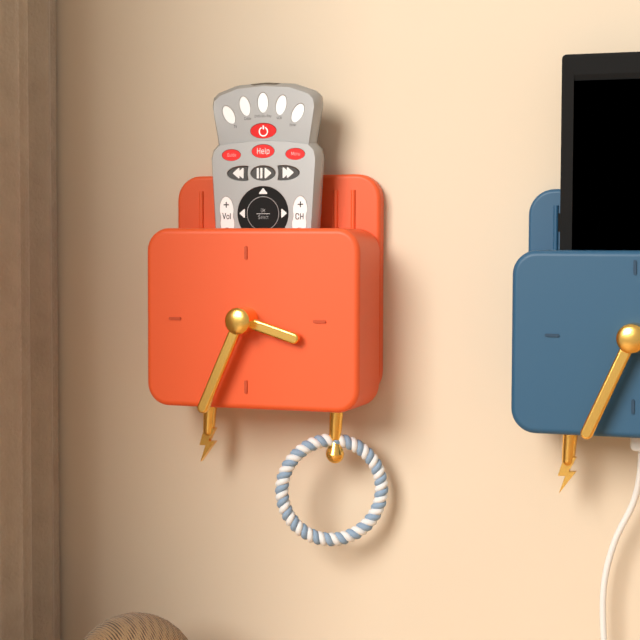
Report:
3:34
